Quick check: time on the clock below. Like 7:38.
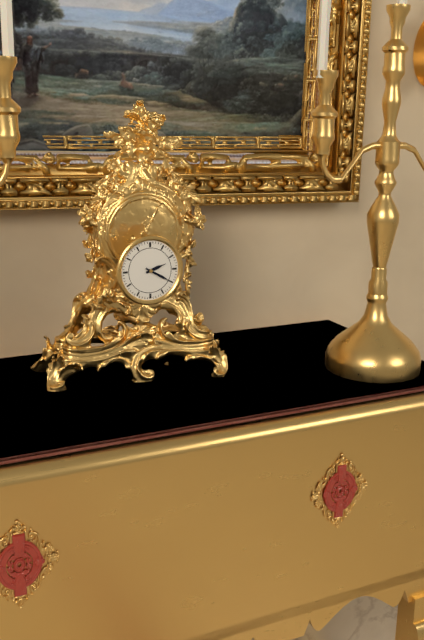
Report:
2:20
